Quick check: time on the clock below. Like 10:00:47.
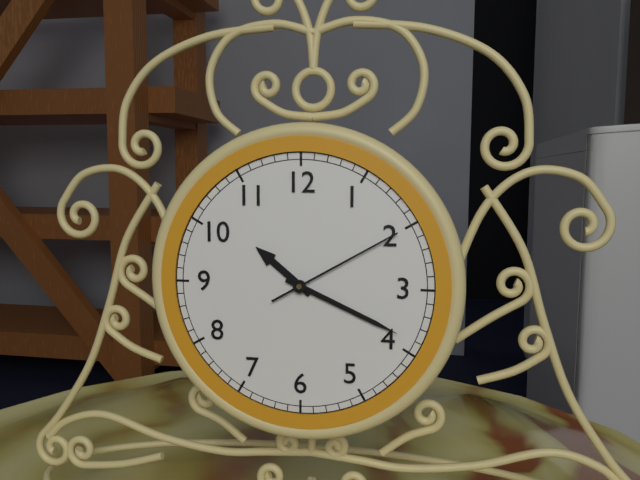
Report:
10:19:10
